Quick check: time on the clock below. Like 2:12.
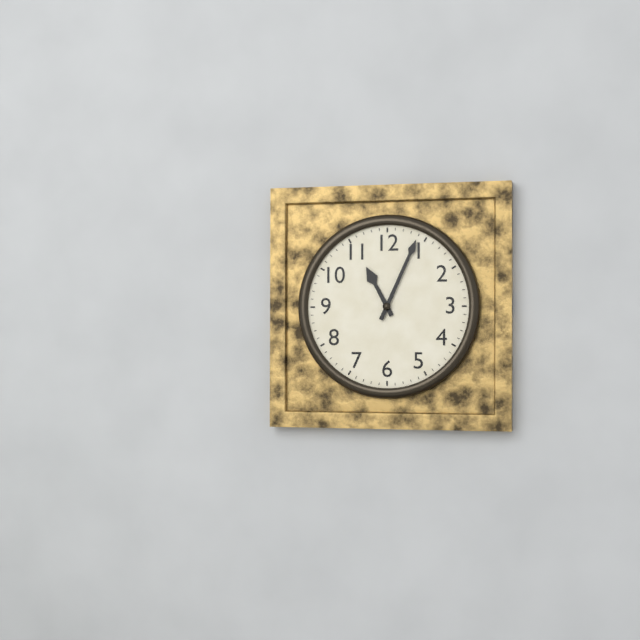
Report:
11:04
